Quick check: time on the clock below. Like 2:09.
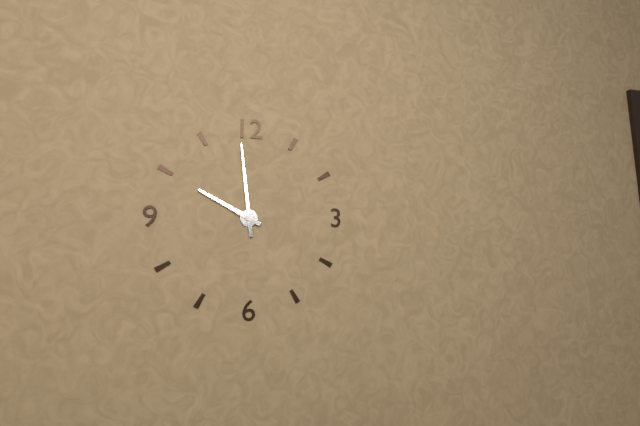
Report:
9:59
